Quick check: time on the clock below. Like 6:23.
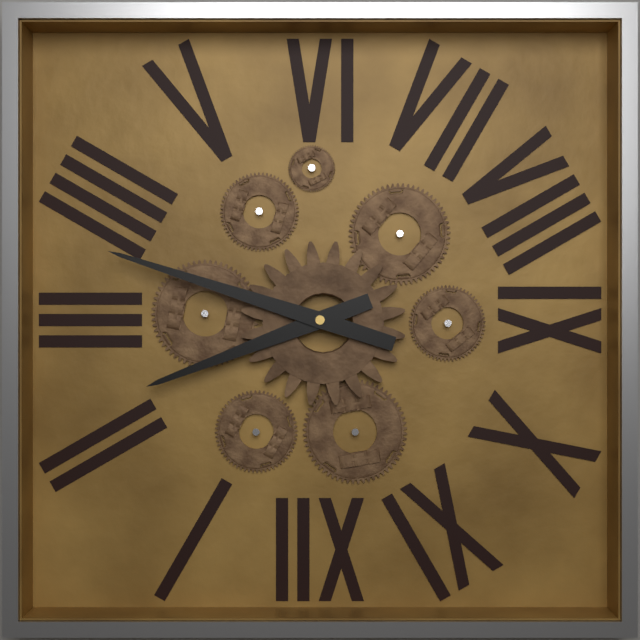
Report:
2:18
